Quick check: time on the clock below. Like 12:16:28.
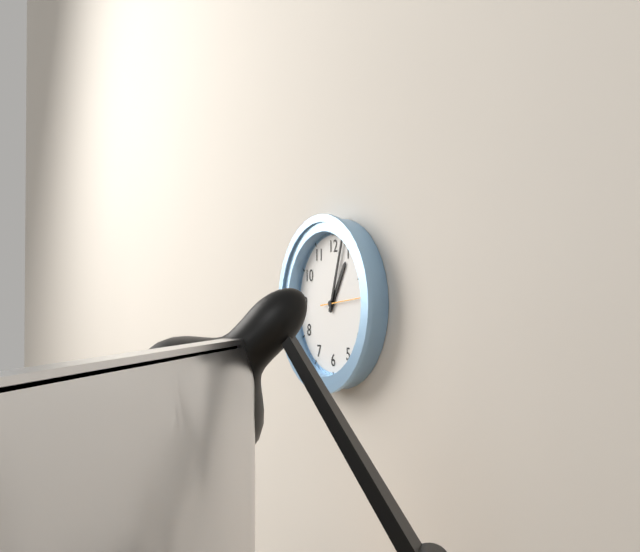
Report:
1:03:14
